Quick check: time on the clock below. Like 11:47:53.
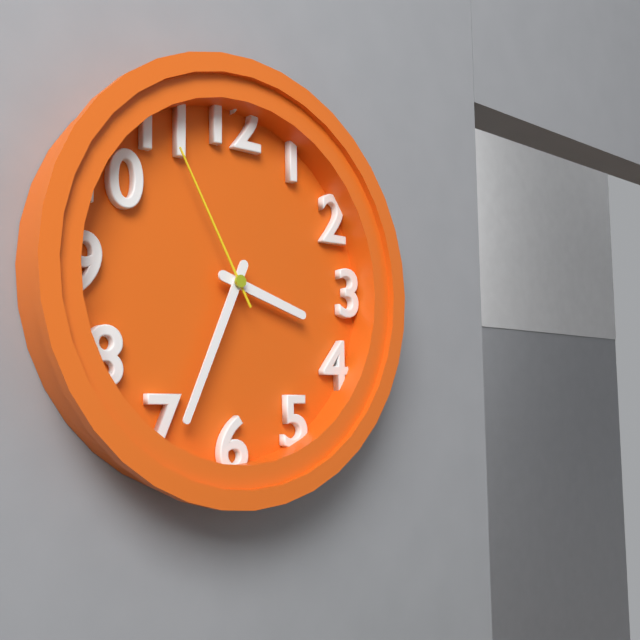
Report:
3:34:55
